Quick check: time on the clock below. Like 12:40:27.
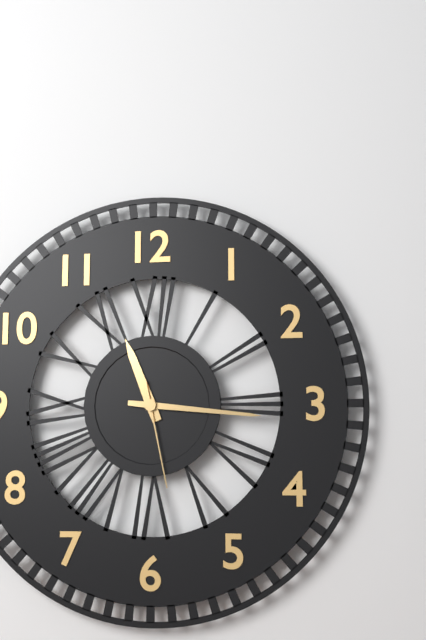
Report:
11:16:28
